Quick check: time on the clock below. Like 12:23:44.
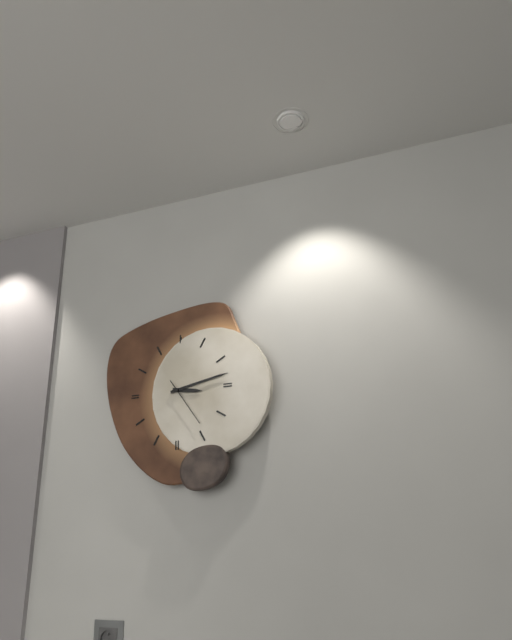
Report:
3:13:24
